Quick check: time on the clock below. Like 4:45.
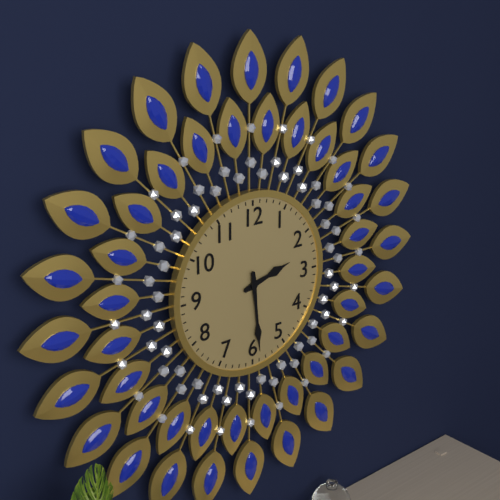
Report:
2:29
